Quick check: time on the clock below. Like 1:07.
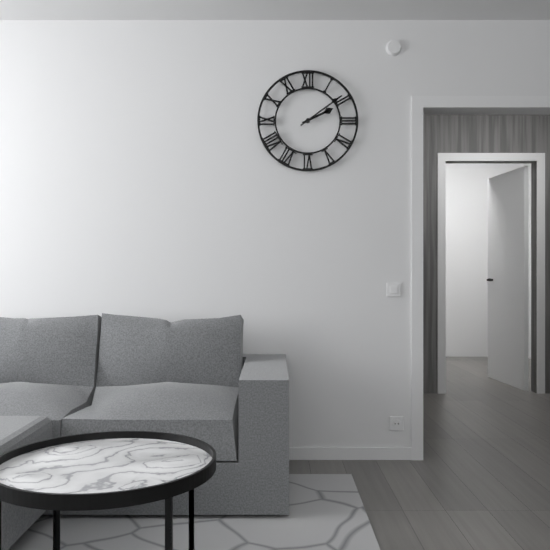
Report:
2:09
